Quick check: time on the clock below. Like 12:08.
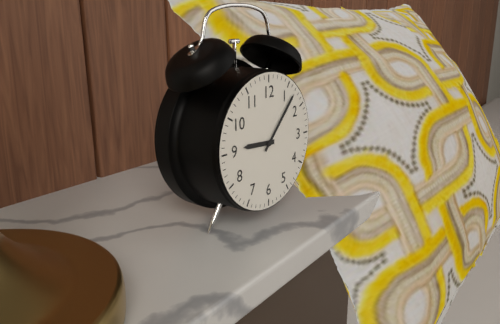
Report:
9:07
